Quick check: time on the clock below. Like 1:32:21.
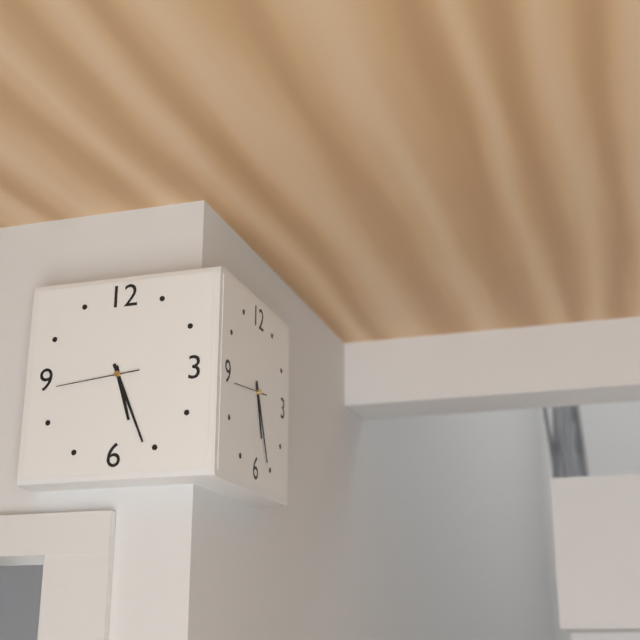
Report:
5:26:44
